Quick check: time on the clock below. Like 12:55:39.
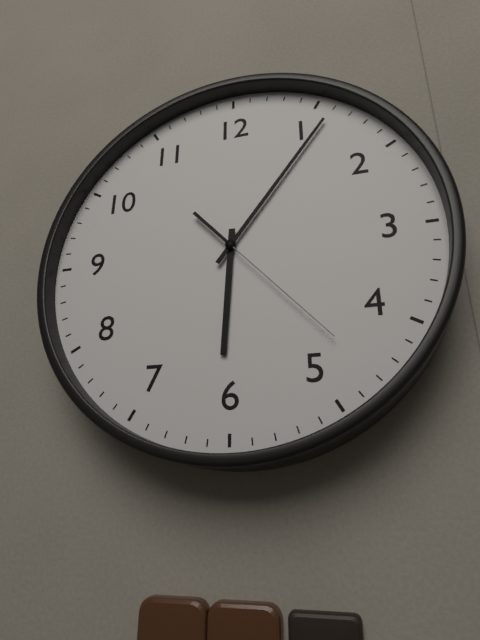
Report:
6:06:23
